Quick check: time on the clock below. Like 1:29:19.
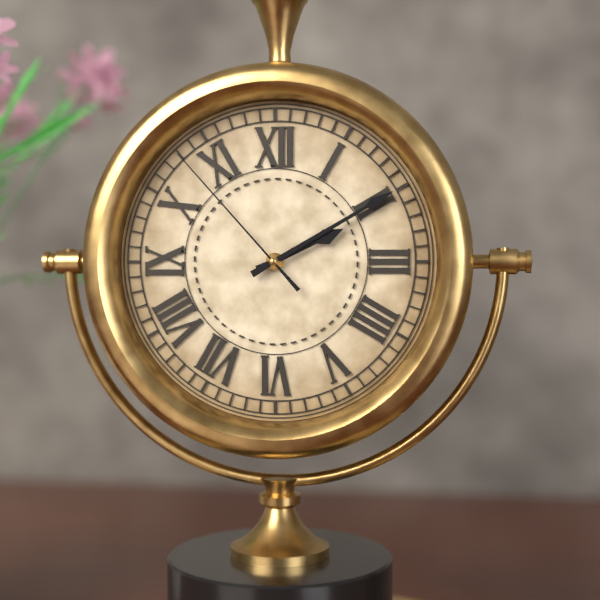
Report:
2:10:53
